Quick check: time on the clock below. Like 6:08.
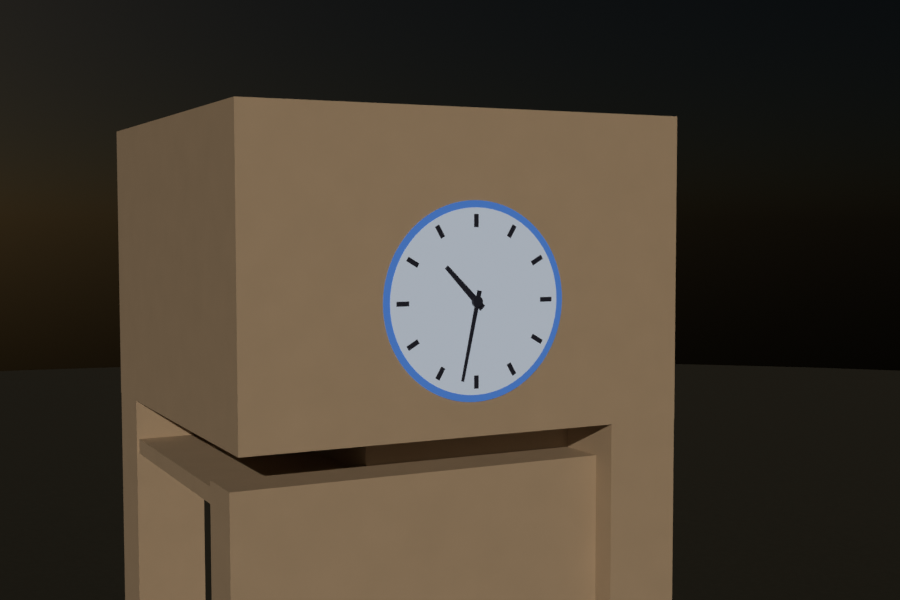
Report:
10:32
